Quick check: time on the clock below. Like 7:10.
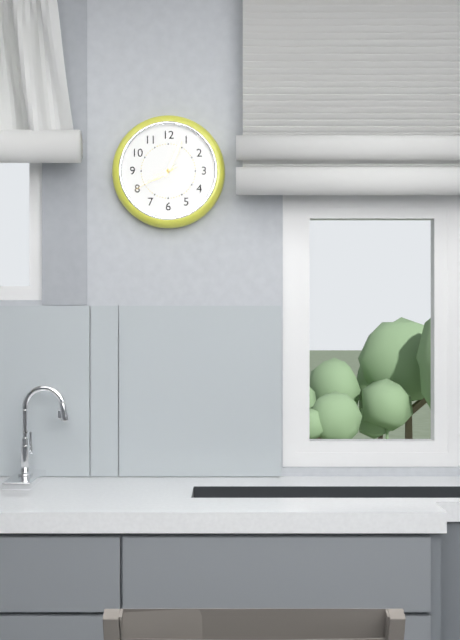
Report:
8:04
